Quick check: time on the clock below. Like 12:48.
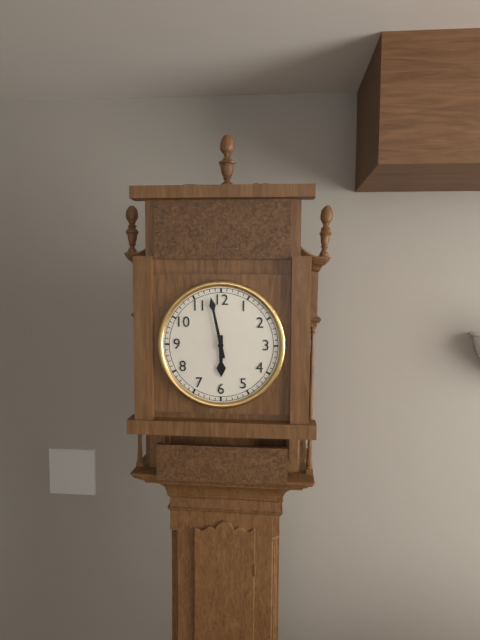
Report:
5:58
